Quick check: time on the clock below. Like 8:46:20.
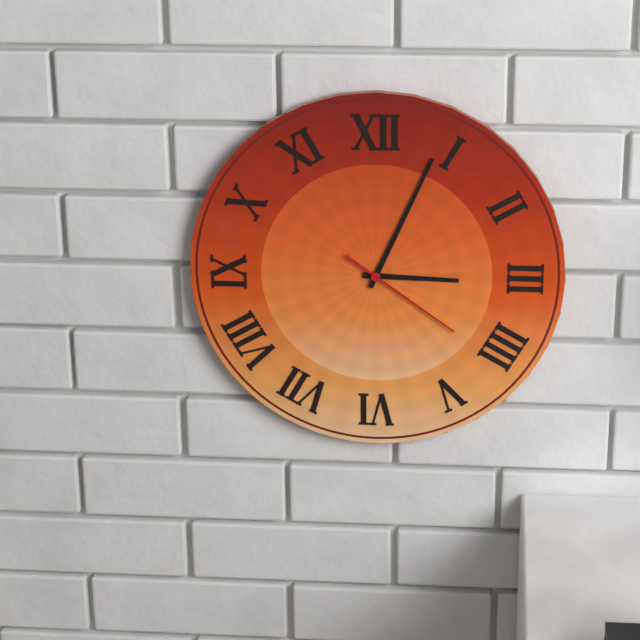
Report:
3:04:21
